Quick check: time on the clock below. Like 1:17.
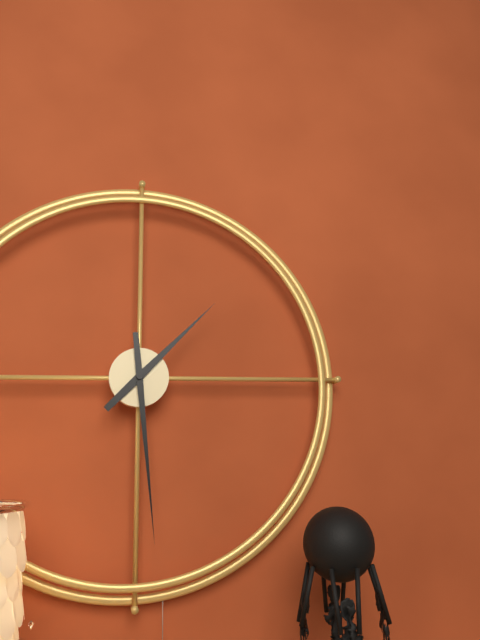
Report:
1:29
